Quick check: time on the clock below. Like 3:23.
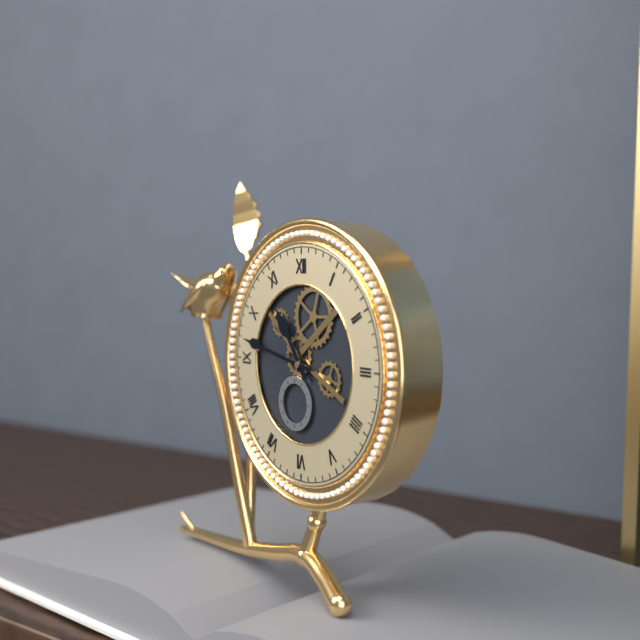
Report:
10:47
